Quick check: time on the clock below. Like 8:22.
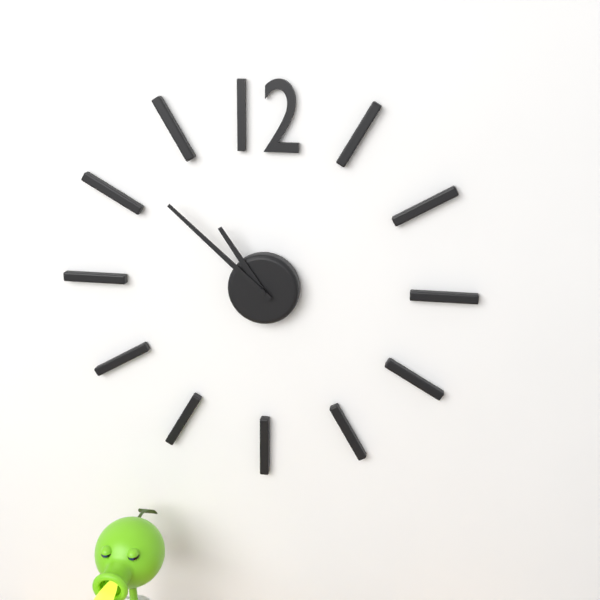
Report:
10:52
